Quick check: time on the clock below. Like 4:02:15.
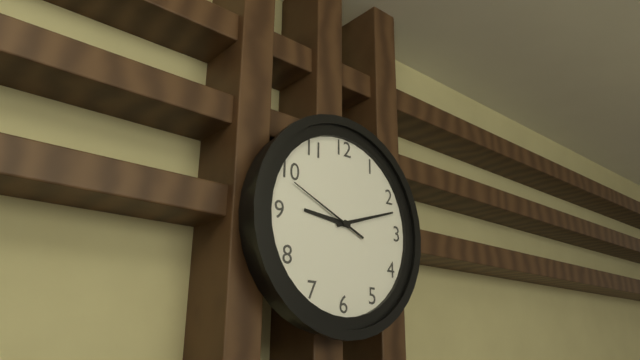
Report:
9:12:49
